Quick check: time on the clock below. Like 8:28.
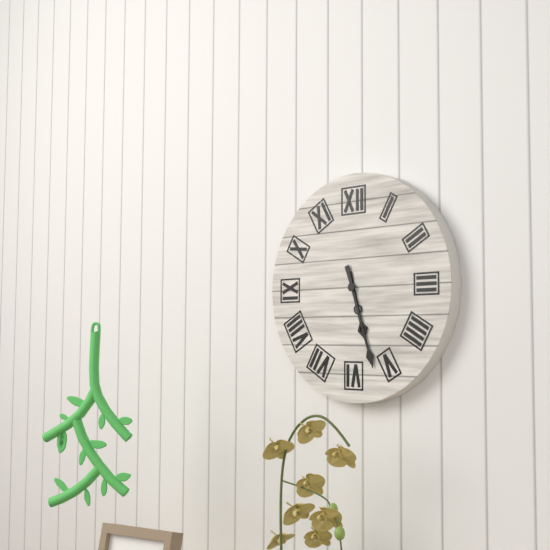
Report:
5:27
